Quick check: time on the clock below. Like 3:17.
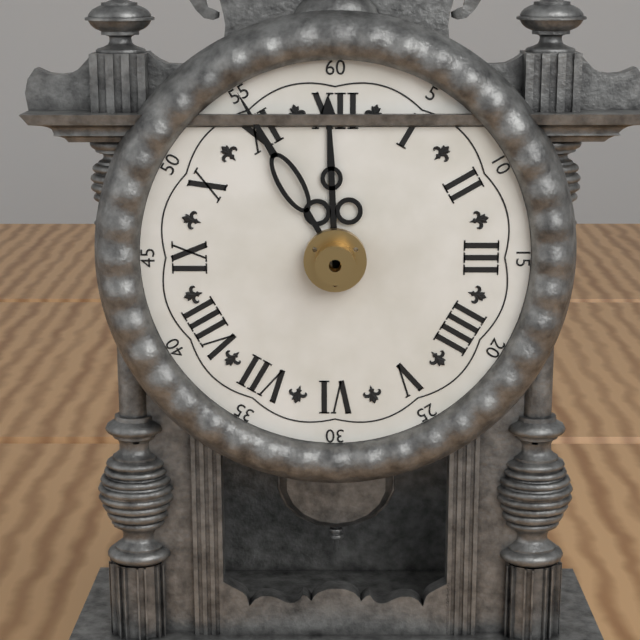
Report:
11:55
